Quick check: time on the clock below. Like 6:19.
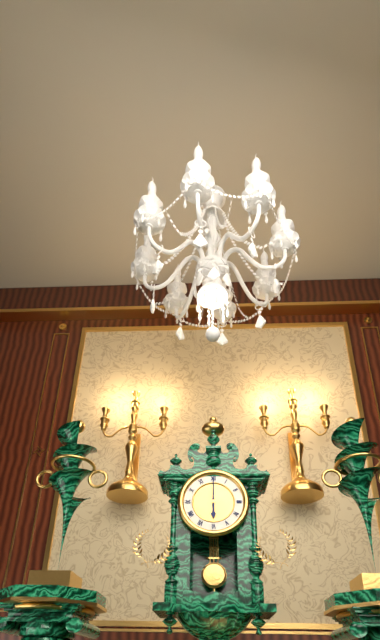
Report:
6:00
